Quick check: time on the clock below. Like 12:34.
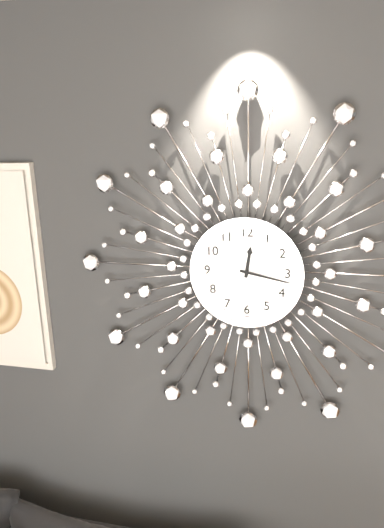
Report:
12:17
